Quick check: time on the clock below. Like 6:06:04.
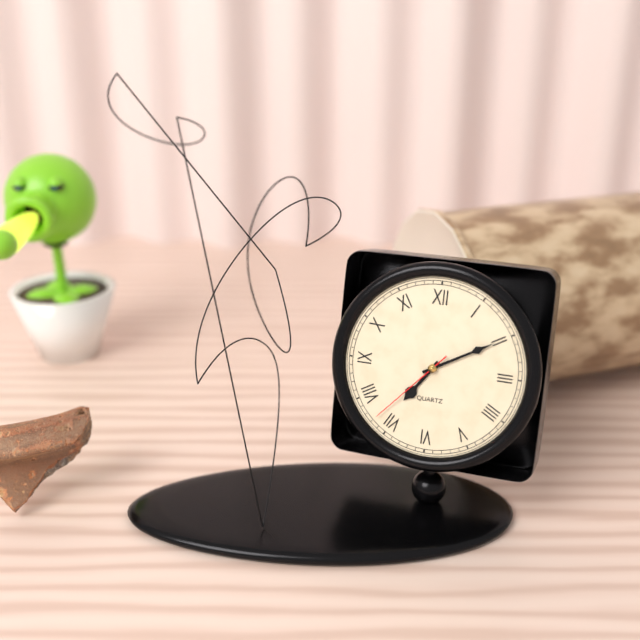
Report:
7:10:37
